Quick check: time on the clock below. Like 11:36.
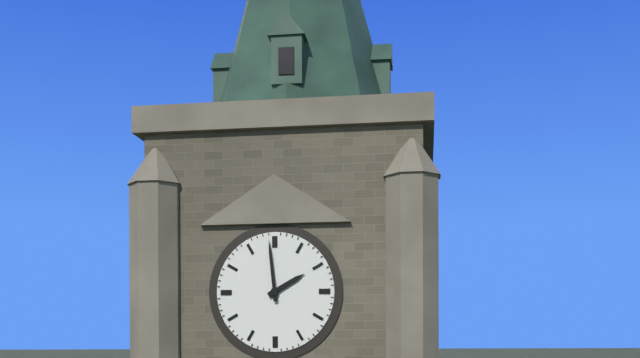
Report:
1:59
